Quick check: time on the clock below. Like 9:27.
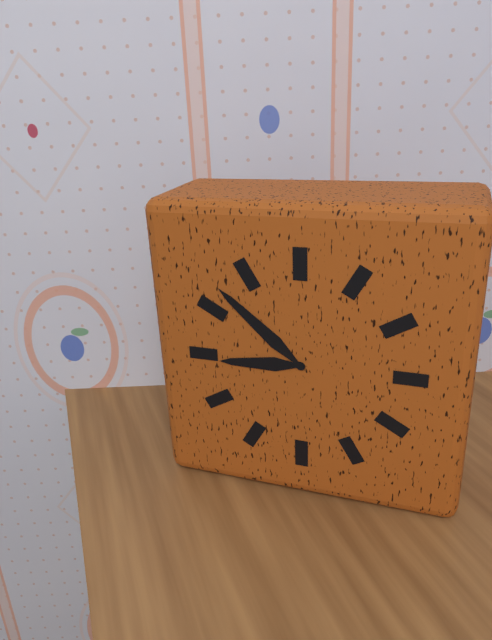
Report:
8:52
